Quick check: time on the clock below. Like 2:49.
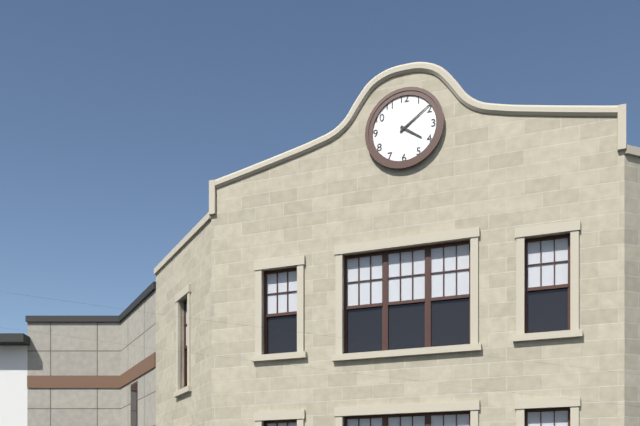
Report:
4:09
